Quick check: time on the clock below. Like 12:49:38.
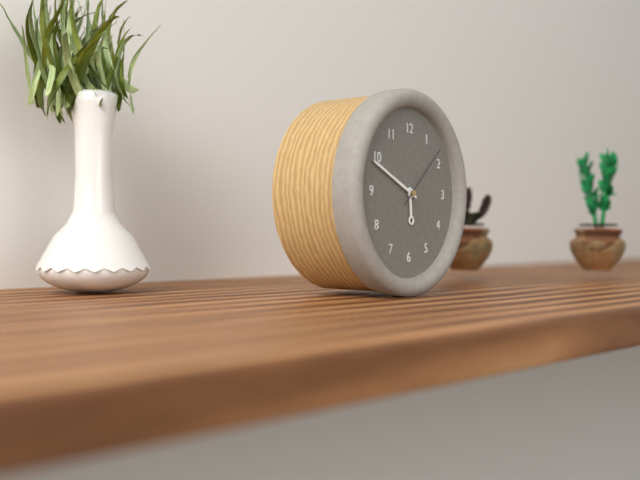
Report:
5:49:08
